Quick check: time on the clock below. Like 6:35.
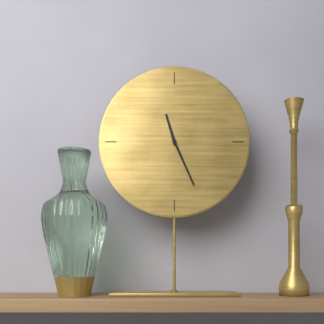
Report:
11:26
